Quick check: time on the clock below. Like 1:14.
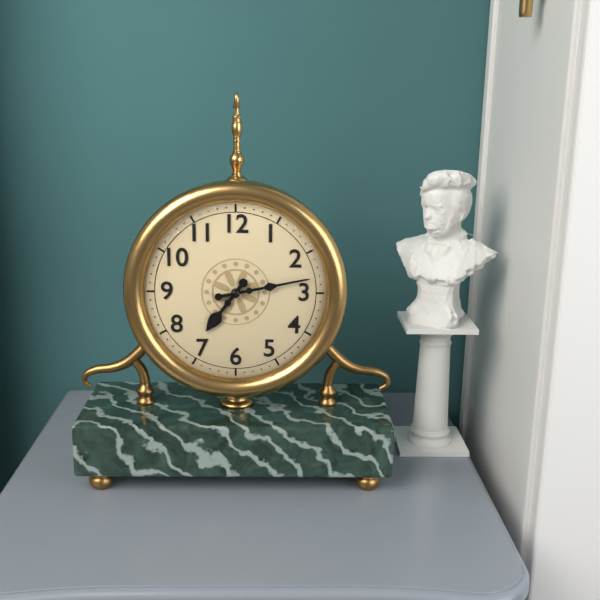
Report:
7:13
